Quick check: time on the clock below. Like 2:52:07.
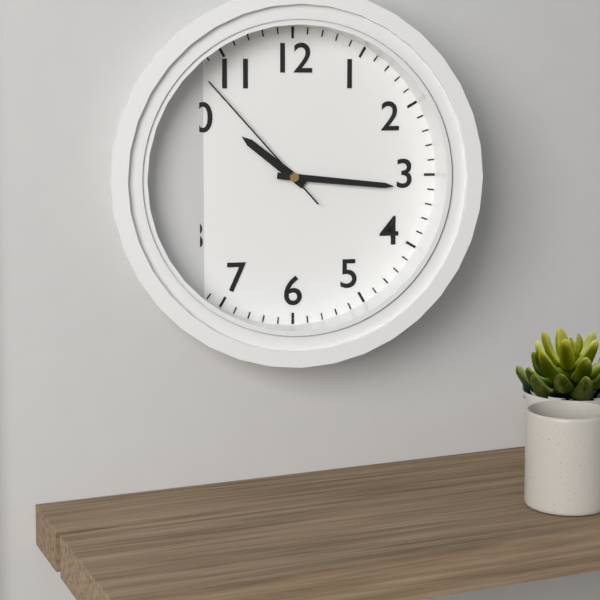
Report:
10:16:53
